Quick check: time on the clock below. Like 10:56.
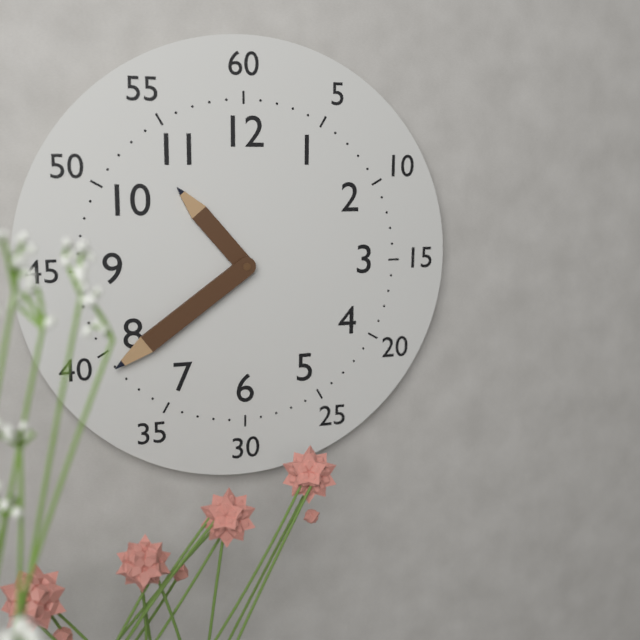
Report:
10:39
